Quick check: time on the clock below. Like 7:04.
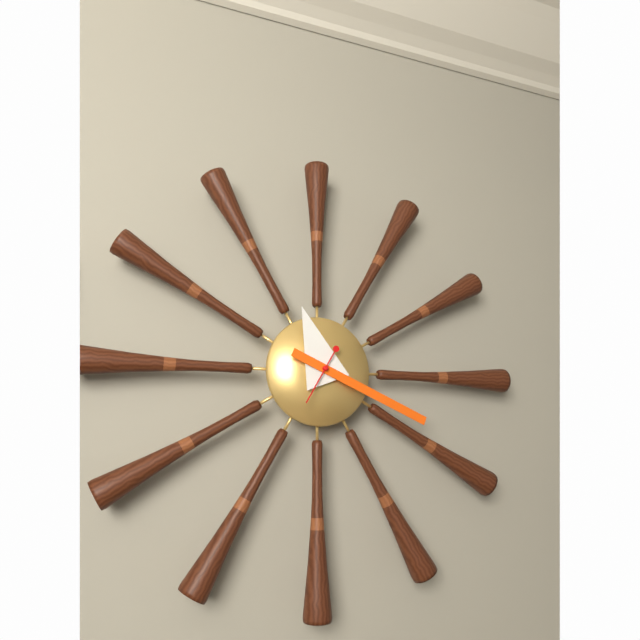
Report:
11:19
